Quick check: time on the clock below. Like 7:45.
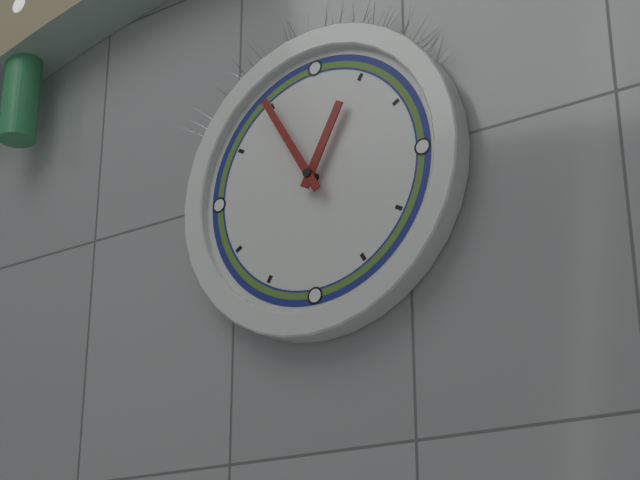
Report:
12:55
